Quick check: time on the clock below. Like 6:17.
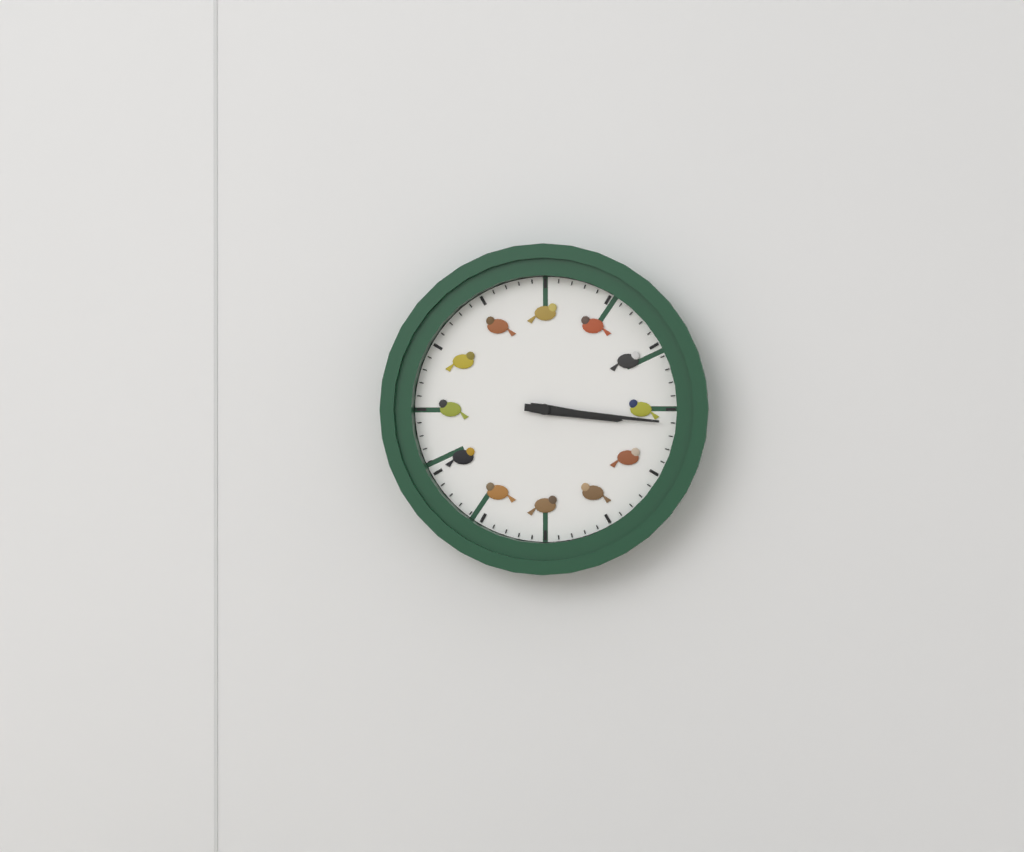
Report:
3:16
